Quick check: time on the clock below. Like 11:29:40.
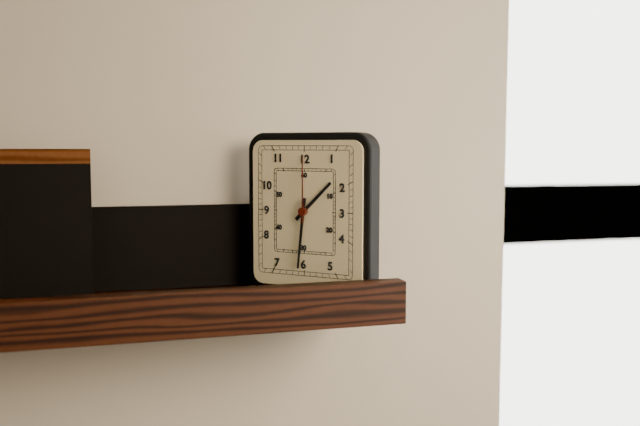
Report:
1:31:00
